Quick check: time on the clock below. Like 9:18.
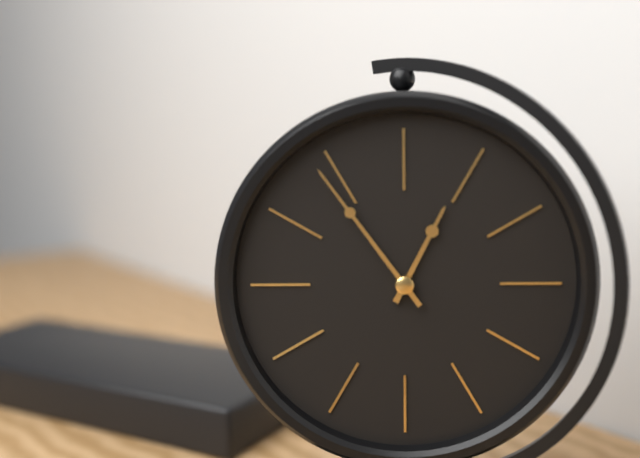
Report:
12:54
